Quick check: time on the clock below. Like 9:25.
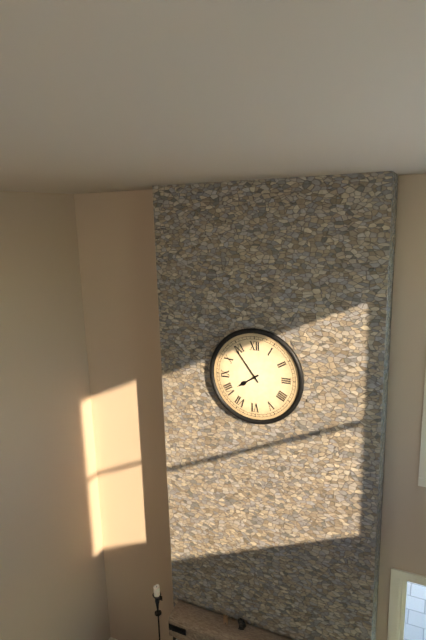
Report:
7:54
